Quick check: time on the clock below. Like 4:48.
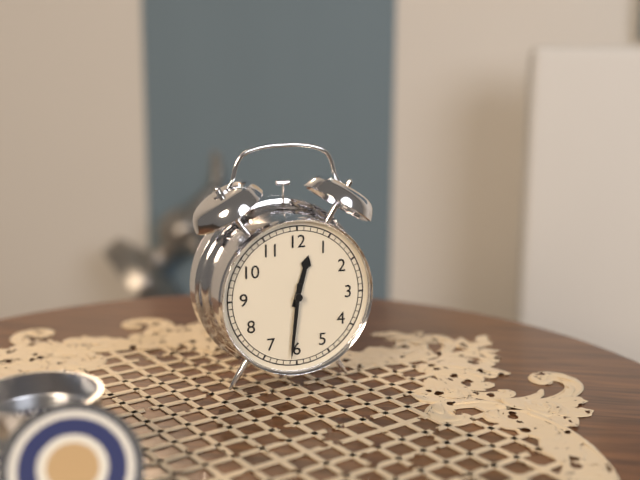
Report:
12:31
